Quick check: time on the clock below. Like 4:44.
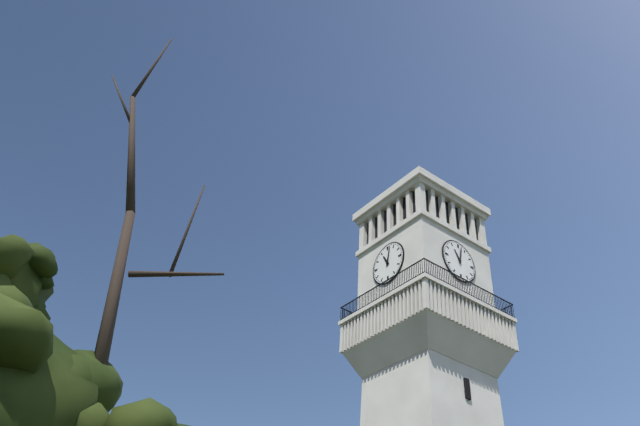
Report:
11:02
